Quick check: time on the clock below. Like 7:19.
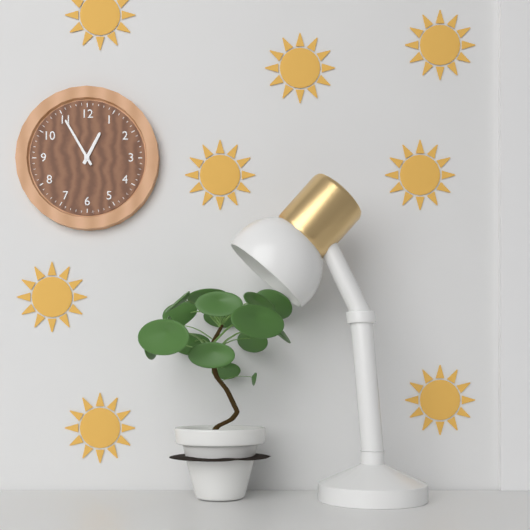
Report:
12:55
